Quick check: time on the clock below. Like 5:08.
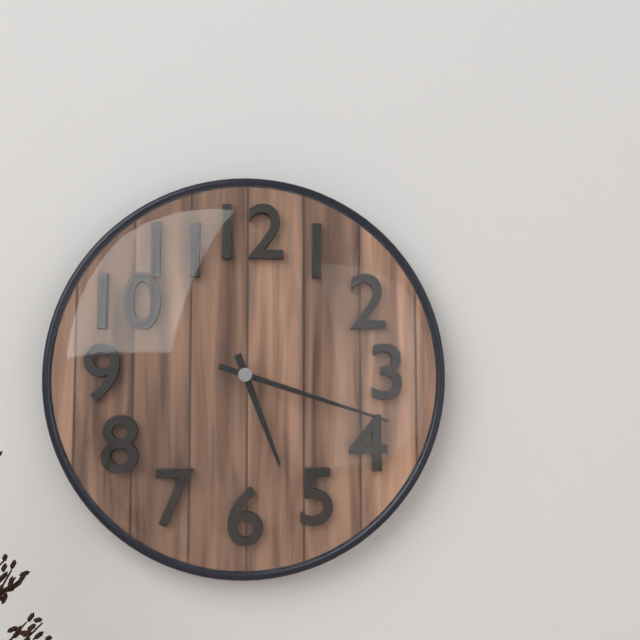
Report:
5:18
